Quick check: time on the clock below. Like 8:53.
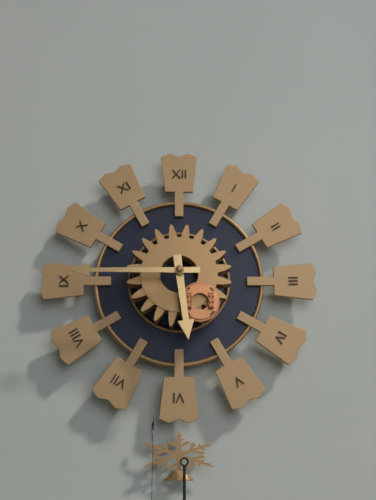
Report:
5:45
